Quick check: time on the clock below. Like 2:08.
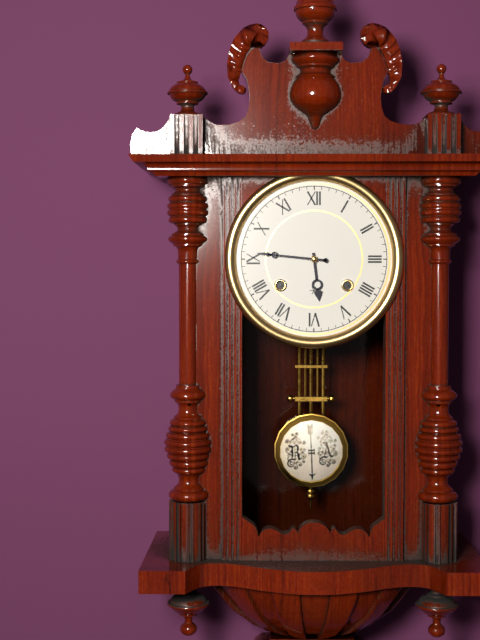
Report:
5:46
